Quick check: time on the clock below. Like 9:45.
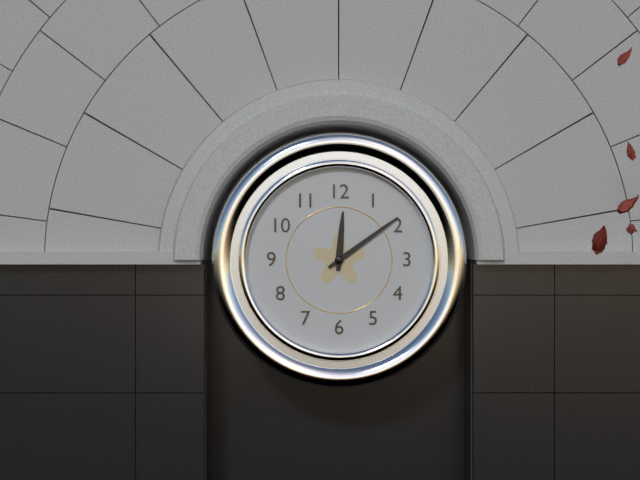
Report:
12:09
